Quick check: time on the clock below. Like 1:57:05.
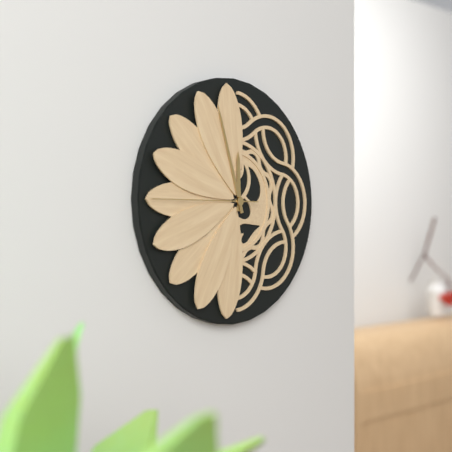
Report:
11:57:45
